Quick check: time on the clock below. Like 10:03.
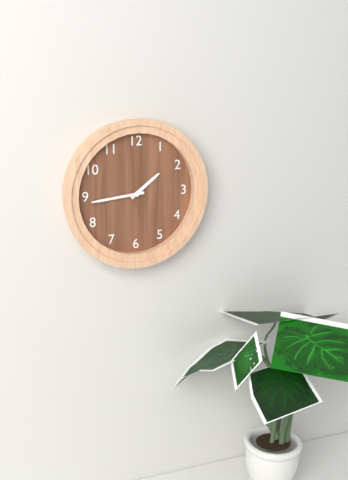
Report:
1:44
